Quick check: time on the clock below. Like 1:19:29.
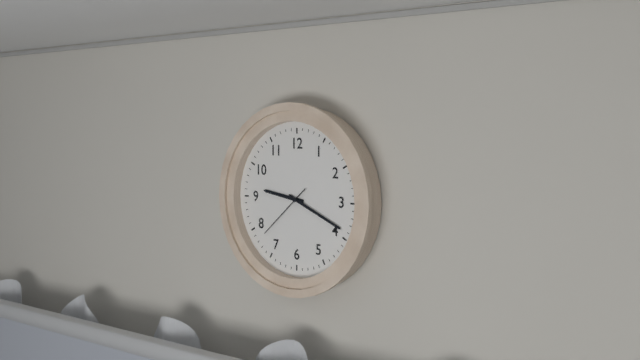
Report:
9:19:38
